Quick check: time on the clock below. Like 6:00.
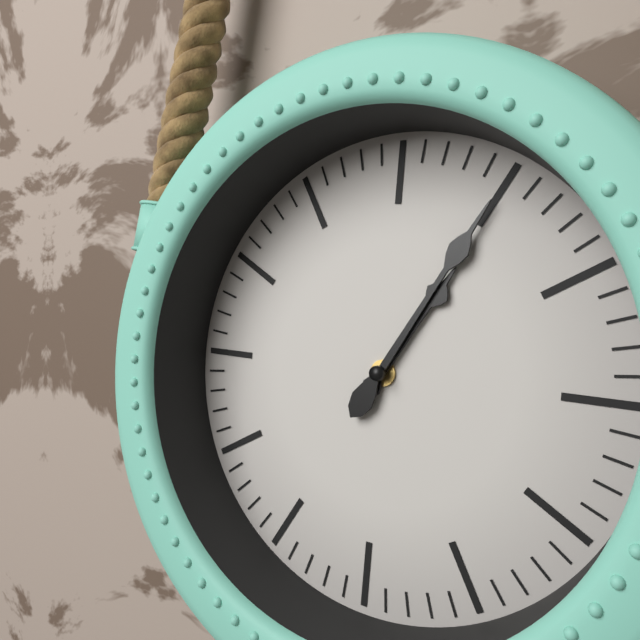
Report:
1:05
